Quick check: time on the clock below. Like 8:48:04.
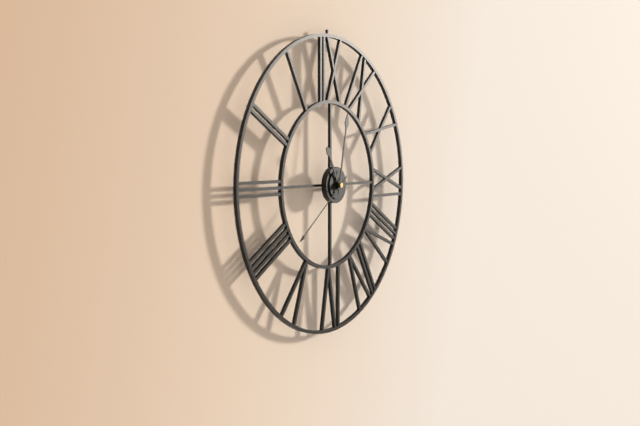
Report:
11:02:39
